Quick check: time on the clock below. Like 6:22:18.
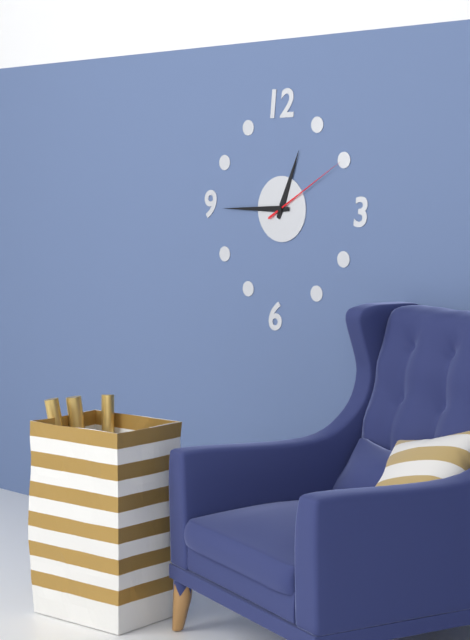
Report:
12:45:10
